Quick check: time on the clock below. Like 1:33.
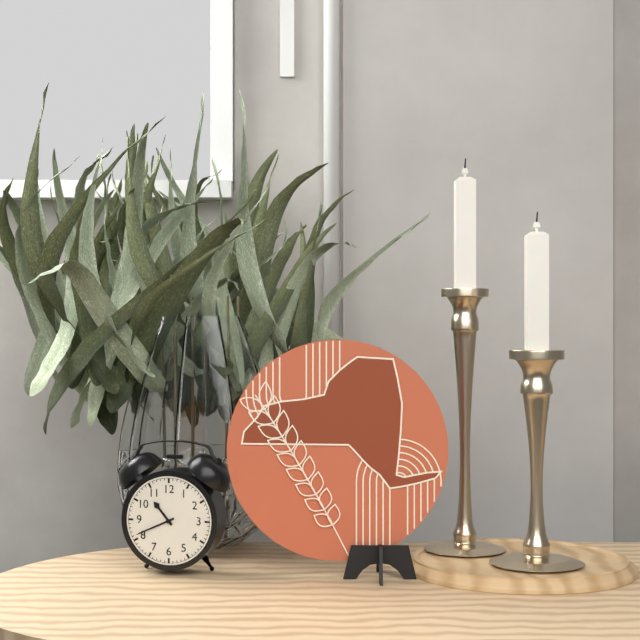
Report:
10:41
